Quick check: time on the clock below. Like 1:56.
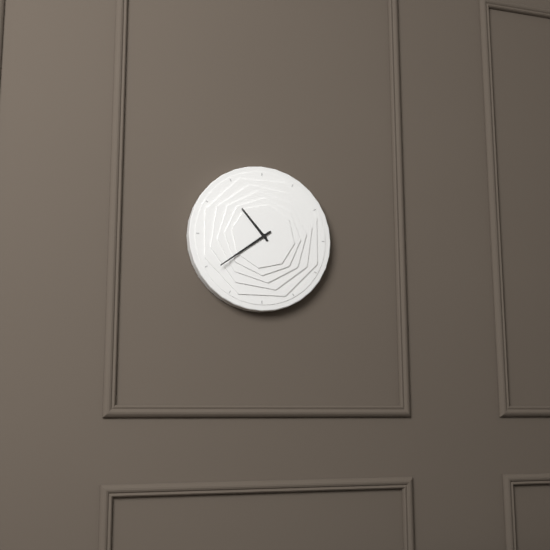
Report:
10:39
